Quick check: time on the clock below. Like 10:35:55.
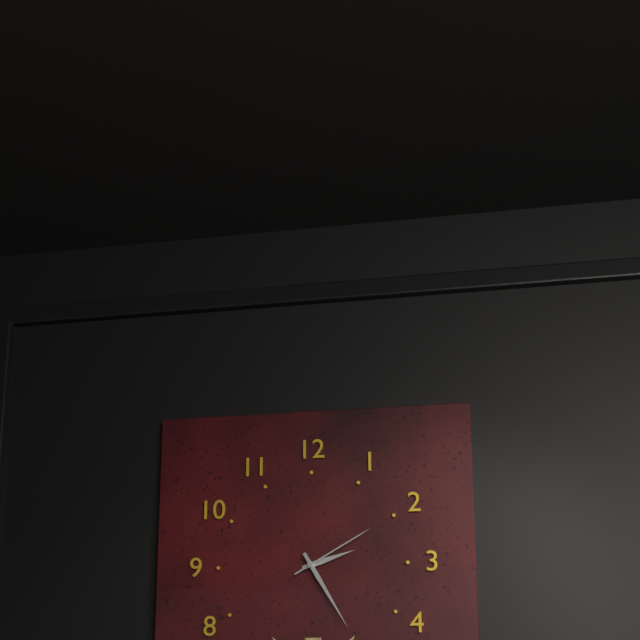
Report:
2:25:10
